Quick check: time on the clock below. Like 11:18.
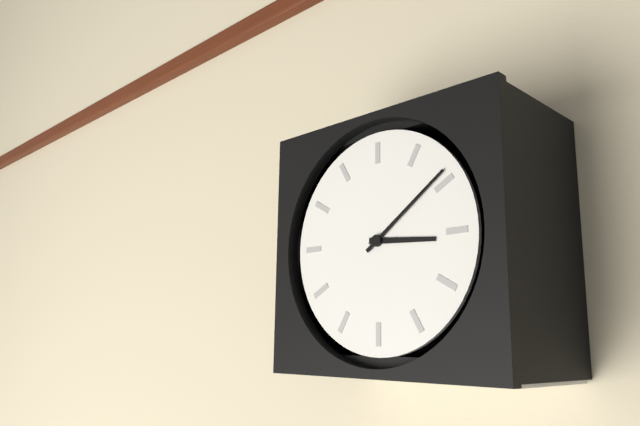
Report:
3:09
